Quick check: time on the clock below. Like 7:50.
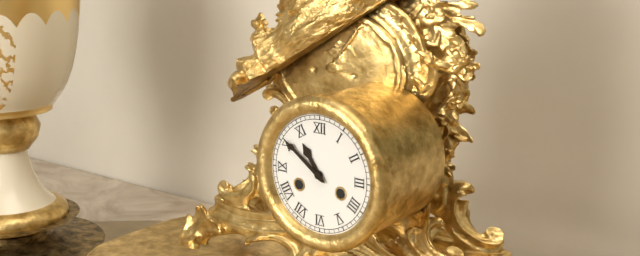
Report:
10:51
